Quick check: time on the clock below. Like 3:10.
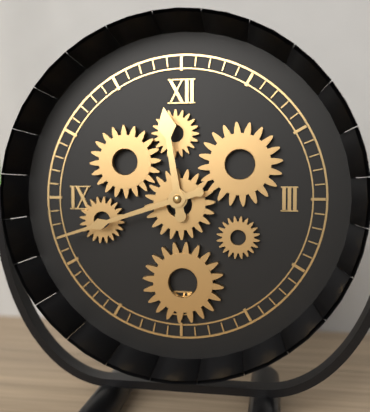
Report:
11:42
